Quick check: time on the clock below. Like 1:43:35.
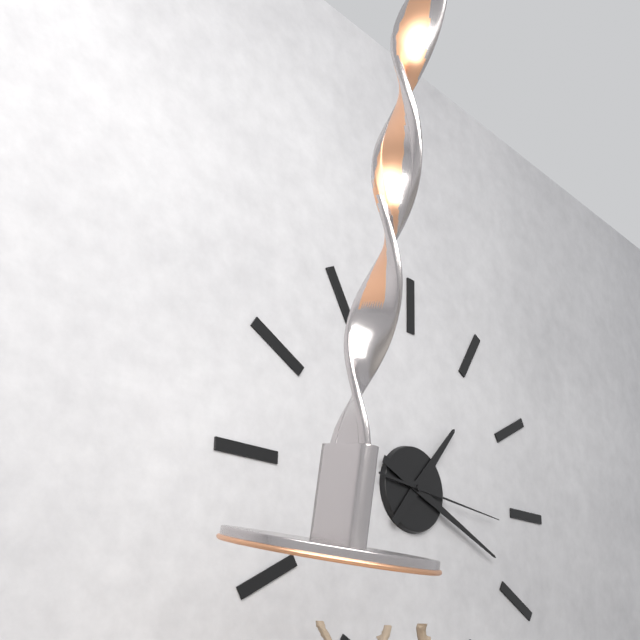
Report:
1:19:16
